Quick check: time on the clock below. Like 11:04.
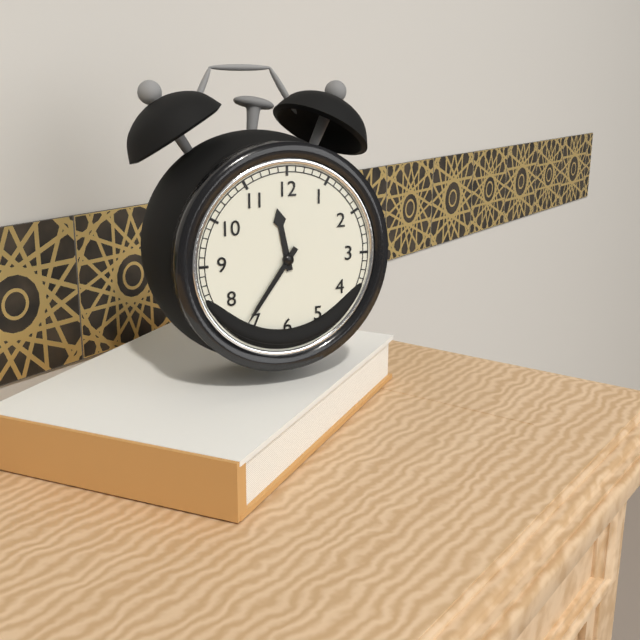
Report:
11:36
